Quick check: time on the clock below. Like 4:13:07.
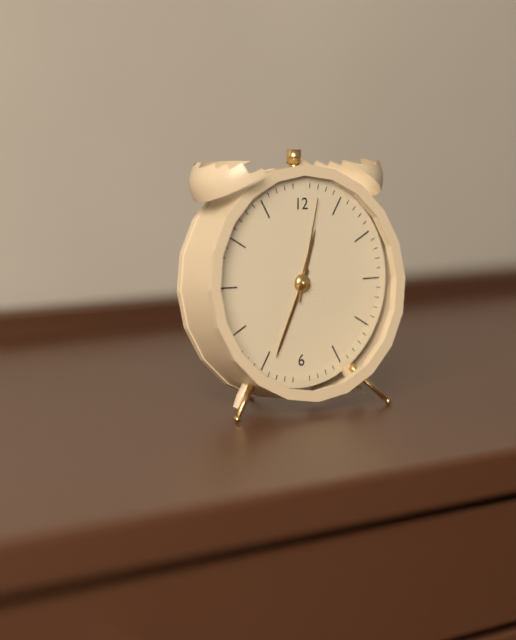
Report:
12:34:02
